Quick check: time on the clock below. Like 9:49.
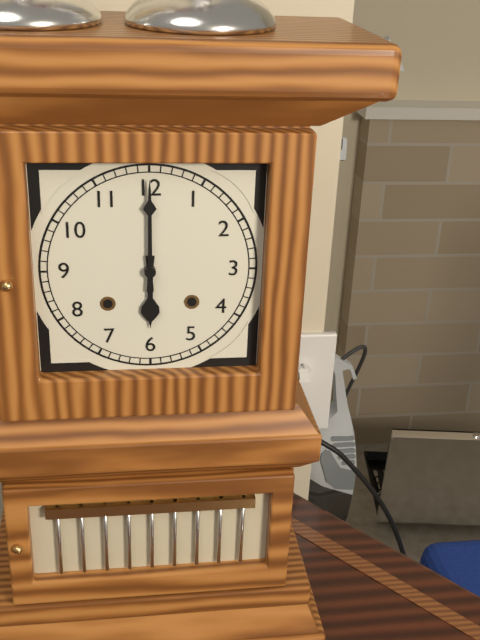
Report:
6:00
